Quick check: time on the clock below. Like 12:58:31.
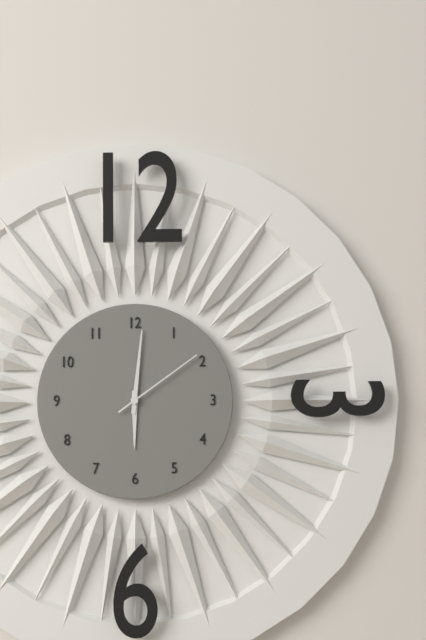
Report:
6:01:09
